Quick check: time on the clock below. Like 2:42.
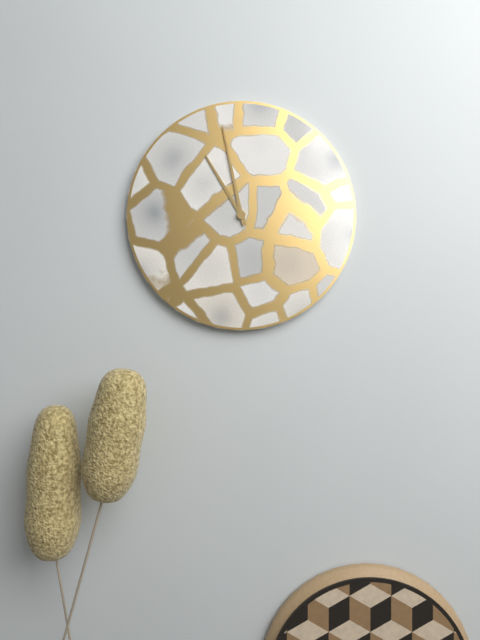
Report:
10:58
